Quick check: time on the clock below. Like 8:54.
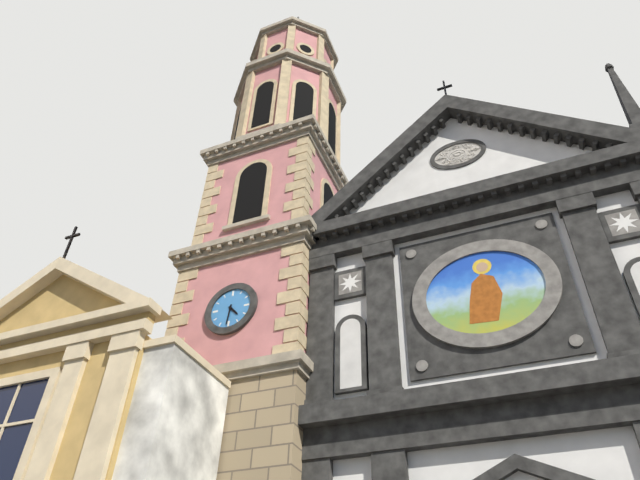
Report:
4:31
